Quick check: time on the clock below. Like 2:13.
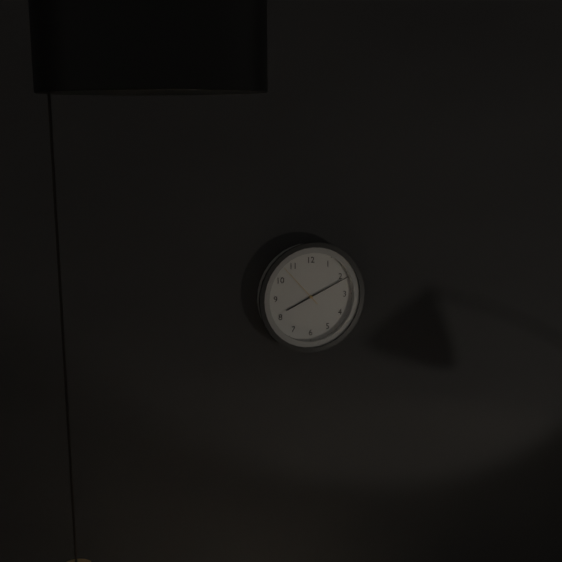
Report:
8:11
